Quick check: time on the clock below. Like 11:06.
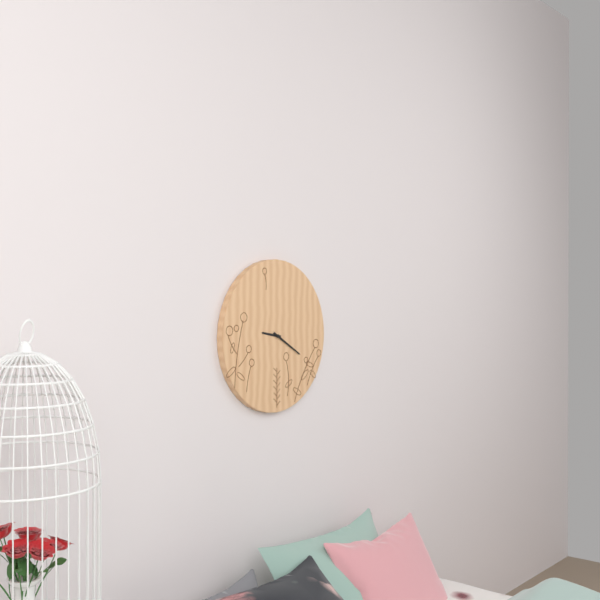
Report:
9:20
